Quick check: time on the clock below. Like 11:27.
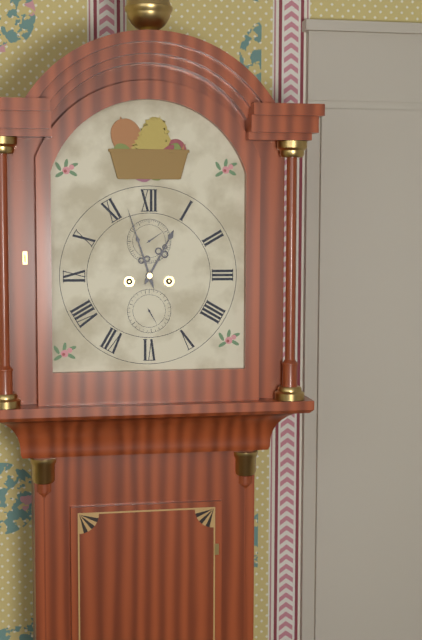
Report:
12:57
